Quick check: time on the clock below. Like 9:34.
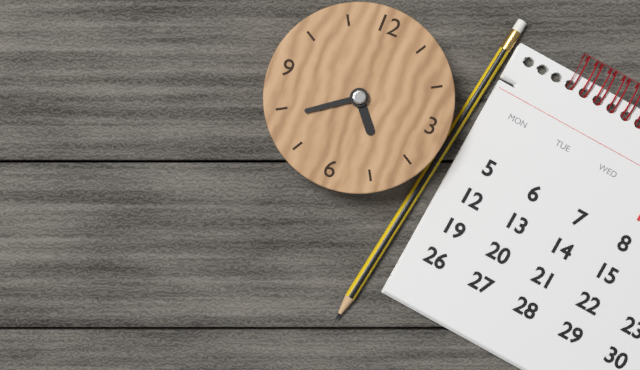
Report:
4:39
